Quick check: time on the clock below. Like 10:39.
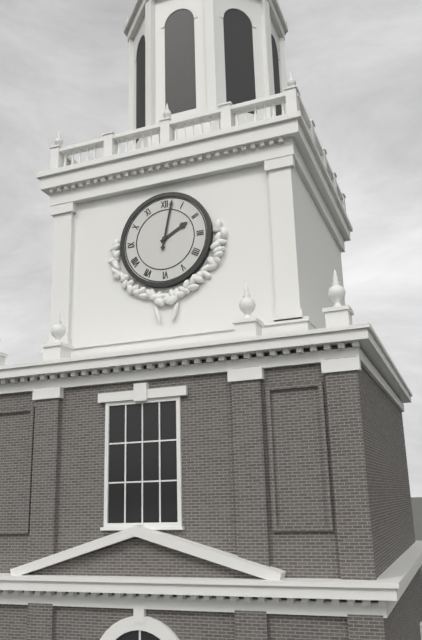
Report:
2:02
